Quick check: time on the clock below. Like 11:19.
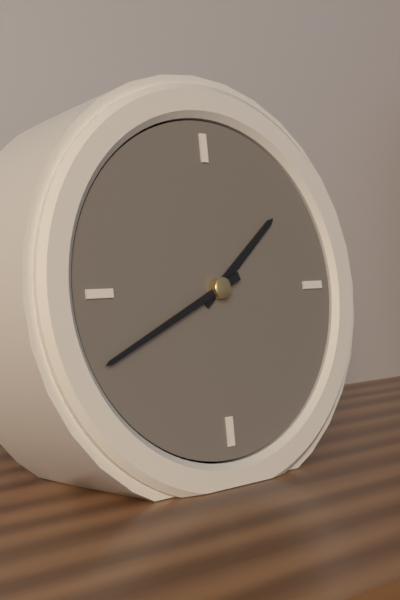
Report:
1:41
